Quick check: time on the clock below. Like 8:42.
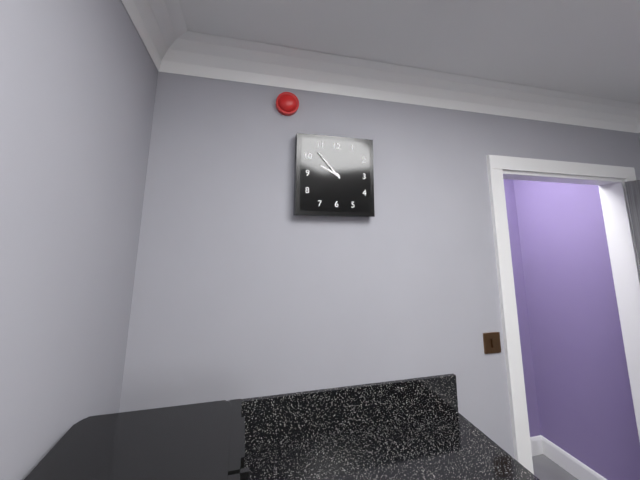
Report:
9:53
